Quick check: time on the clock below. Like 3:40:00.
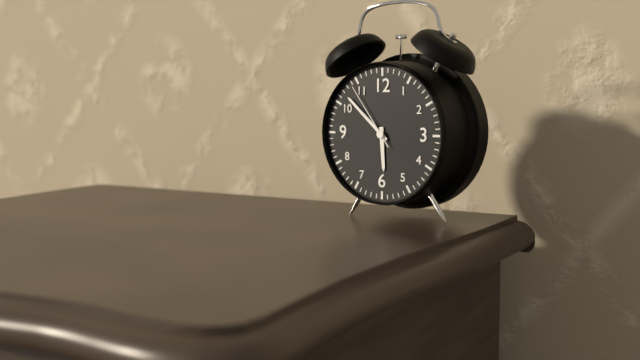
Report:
5:52:54
